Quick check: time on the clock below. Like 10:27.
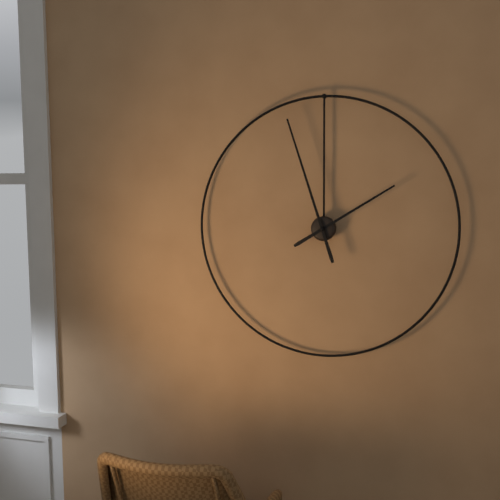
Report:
1:57
